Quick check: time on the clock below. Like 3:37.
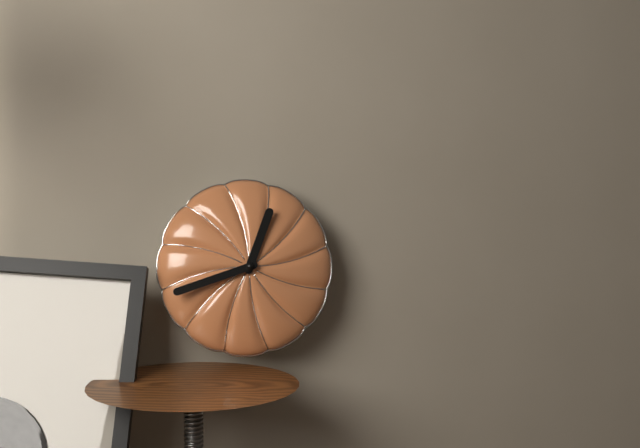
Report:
12:42
